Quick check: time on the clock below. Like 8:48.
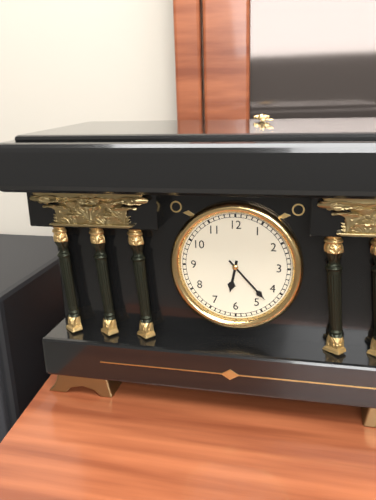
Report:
6:23
